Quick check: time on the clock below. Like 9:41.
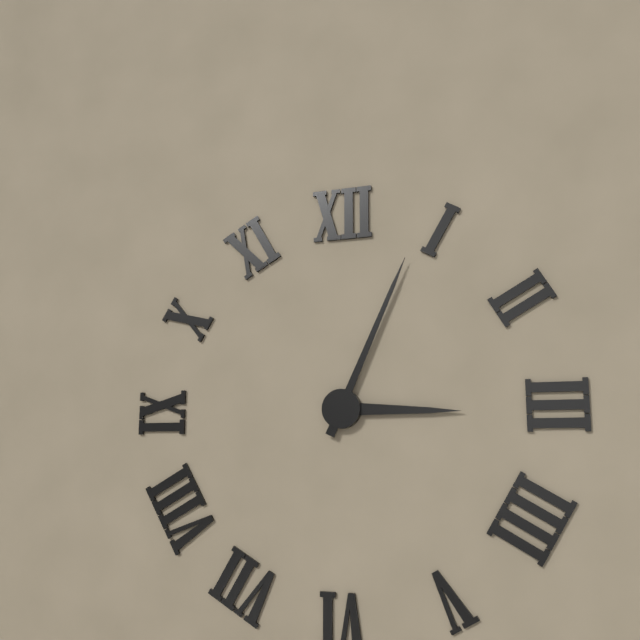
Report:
3:04
